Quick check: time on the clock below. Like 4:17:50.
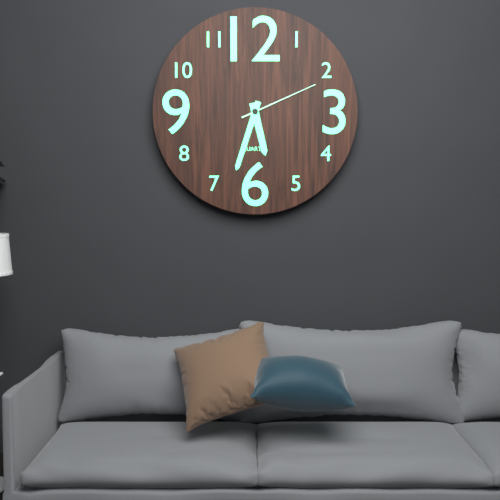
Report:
5:33:11
